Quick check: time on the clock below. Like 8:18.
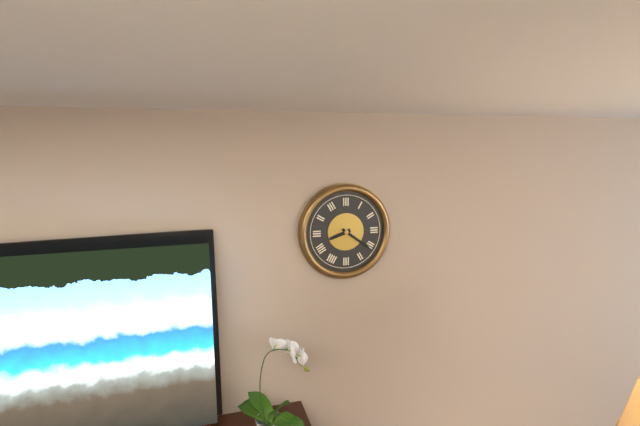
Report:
8:21
